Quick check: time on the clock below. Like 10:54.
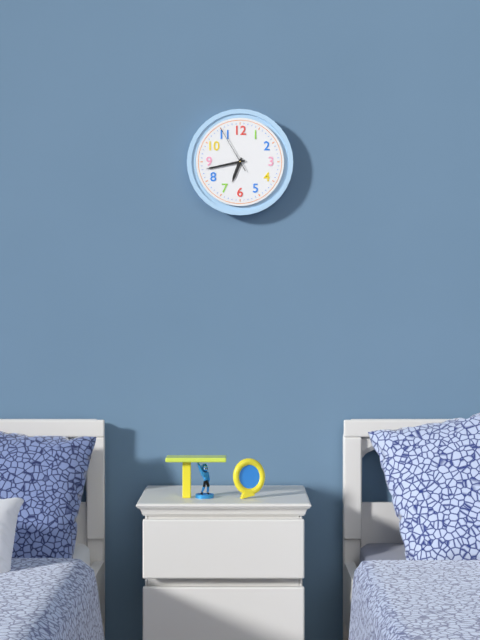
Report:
6:43
